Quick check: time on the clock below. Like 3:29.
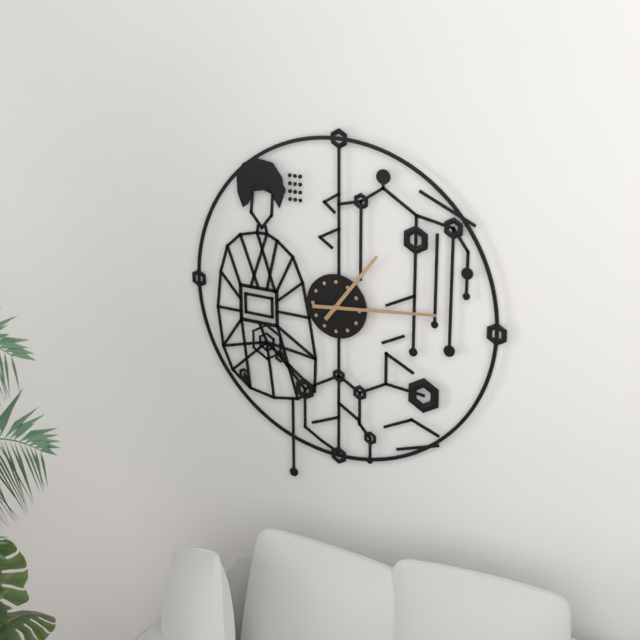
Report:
1:14
